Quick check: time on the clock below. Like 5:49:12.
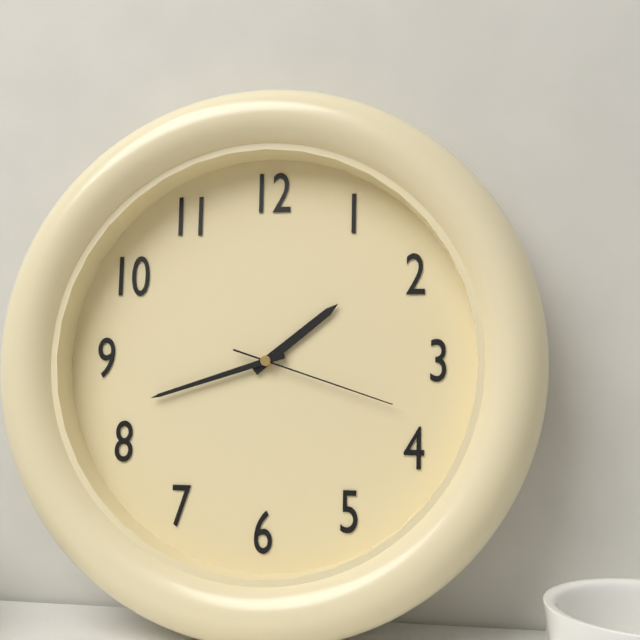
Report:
1:42:18
